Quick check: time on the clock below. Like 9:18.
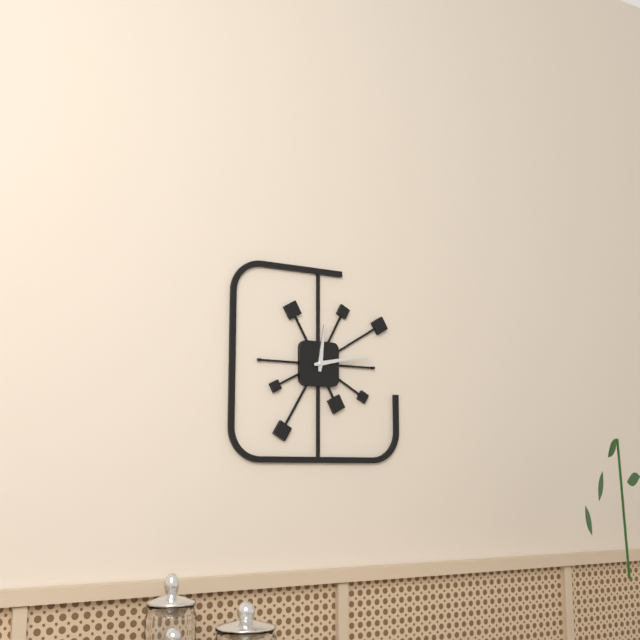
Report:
12:13
